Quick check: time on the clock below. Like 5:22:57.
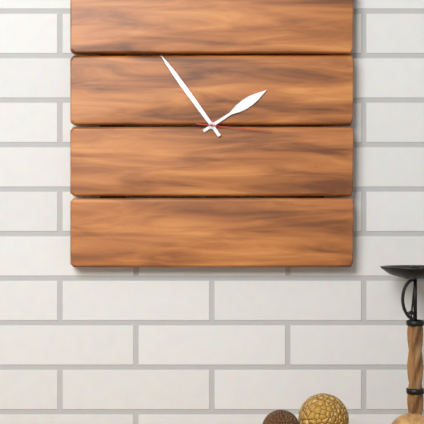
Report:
1:54:16
